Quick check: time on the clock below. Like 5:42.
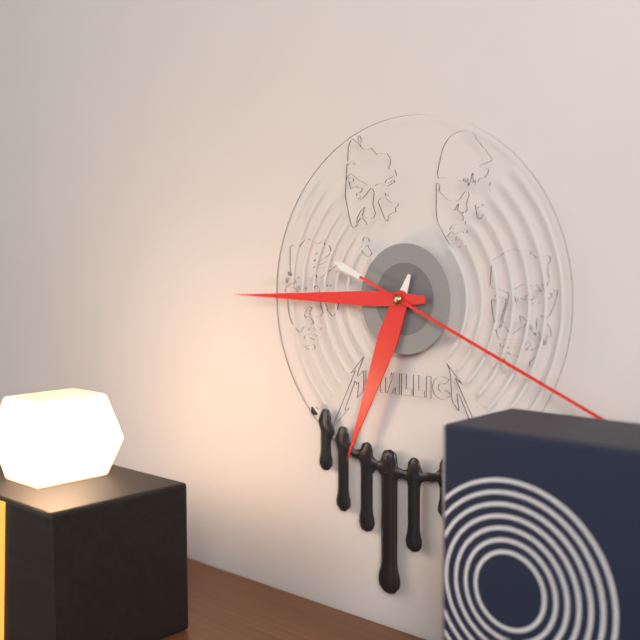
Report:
6:45
